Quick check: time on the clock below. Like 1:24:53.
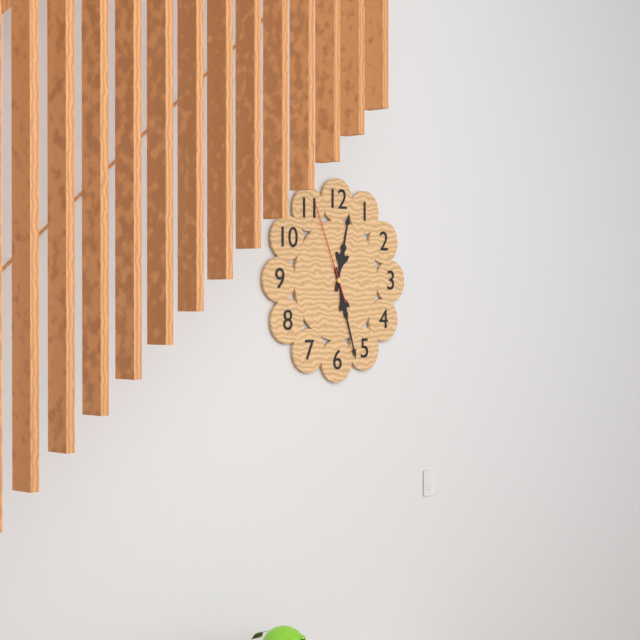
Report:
12:27:56
